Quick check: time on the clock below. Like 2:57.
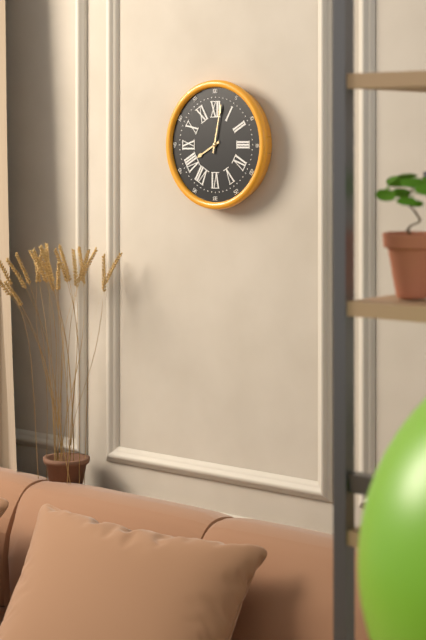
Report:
8:02
